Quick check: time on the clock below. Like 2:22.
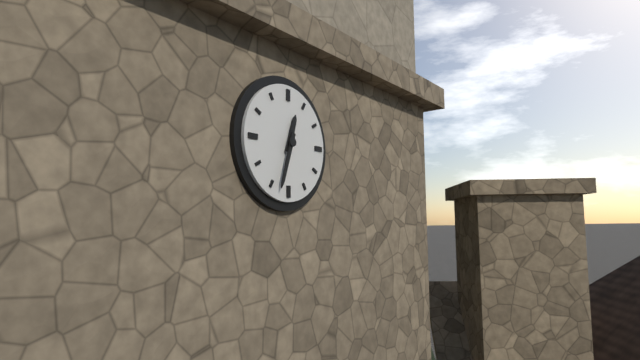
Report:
12:33
